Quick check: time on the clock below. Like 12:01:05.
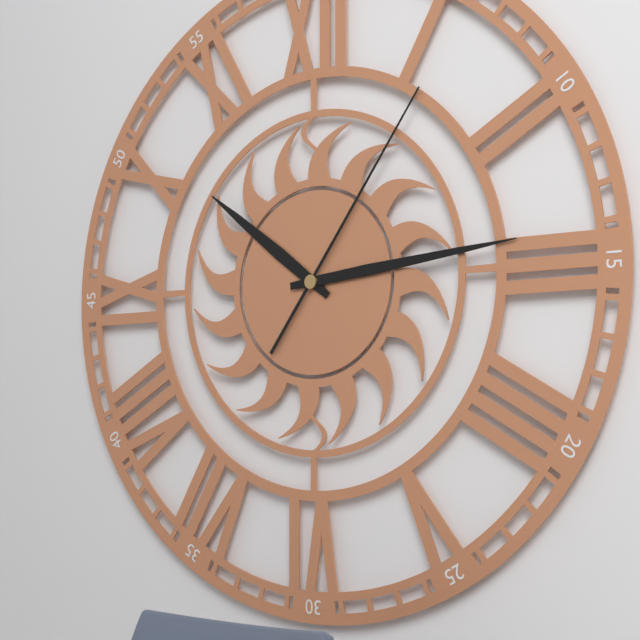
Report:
10:14:06
